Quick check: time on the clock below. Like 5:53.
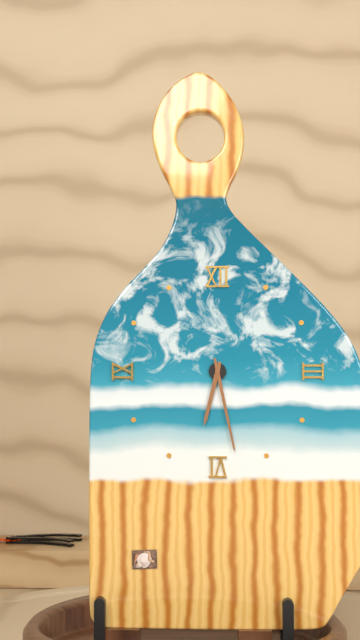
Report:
6:28
